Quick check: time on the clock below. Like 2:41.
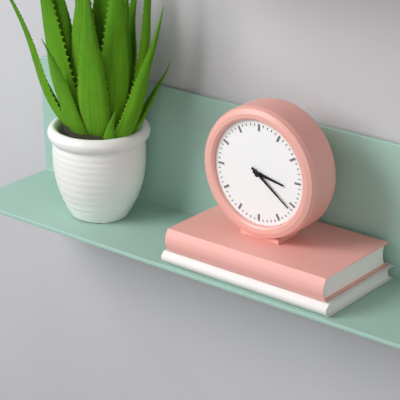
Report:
3:21
